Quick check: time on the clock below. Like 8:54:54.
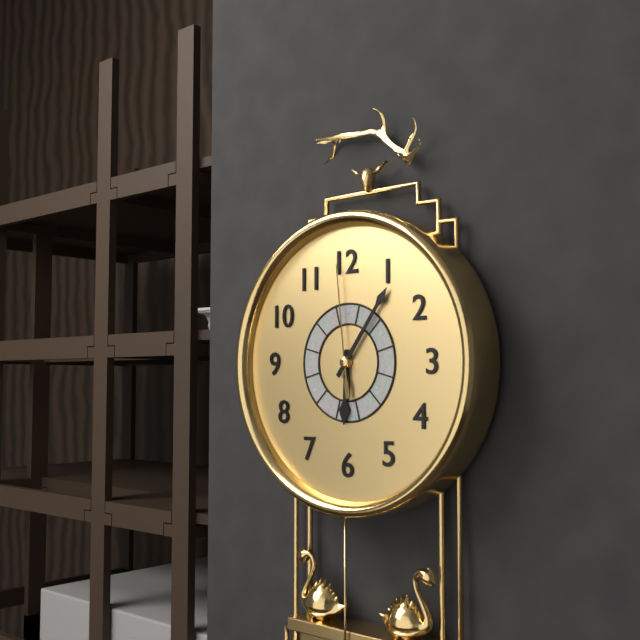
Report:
6:06:59
